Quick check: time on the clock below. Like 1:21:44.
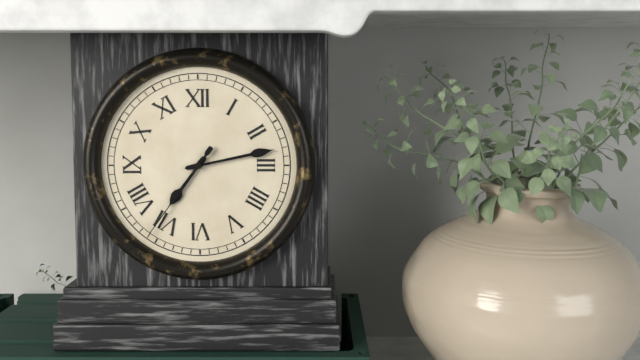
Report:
7:13:36
